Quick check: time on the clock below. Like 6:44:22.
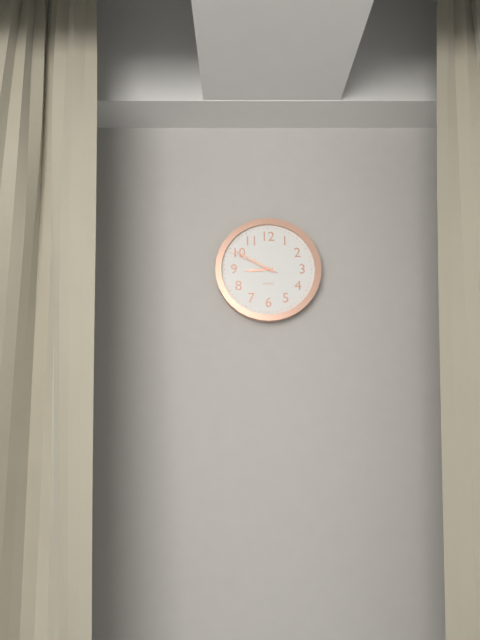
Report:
8:50:49
